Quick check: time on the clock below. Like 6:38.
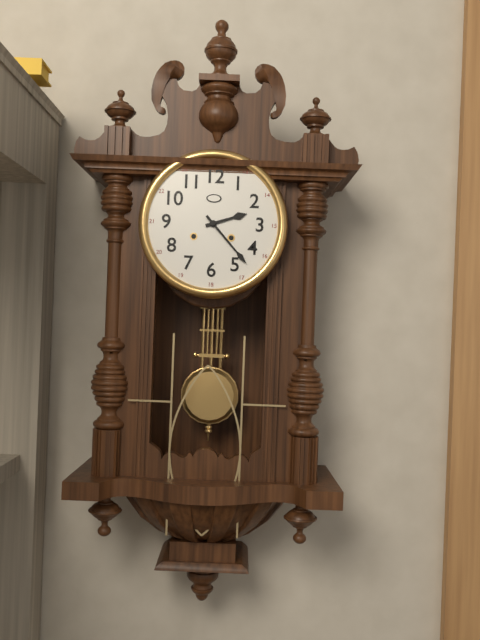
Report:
2:23
